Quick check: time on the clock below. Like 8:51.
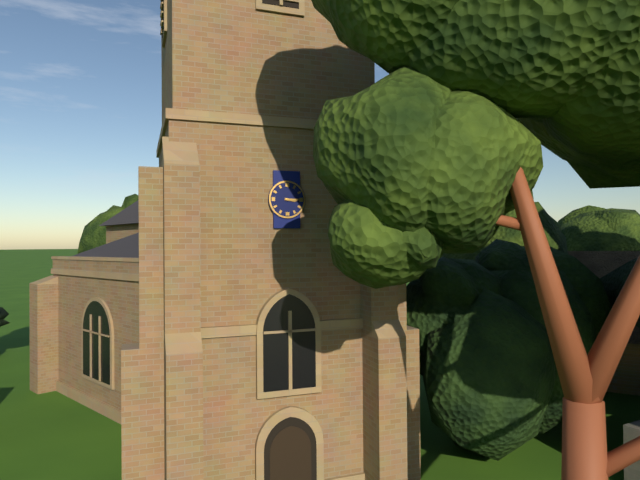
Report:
3:15
